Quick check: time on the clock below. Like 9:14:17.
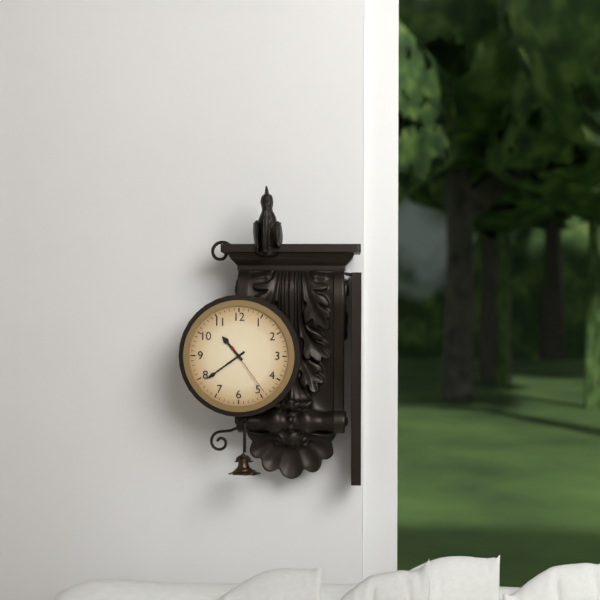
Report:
10:39:24
